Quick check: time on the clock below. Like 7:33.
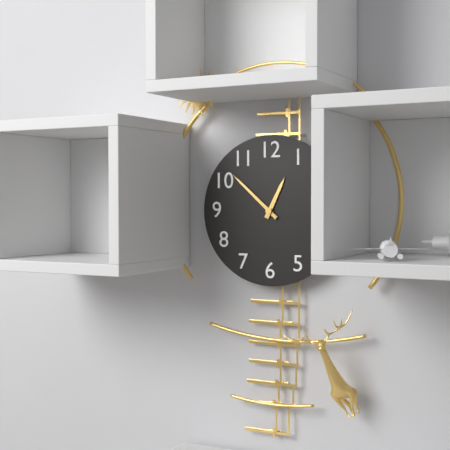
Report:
12:52
